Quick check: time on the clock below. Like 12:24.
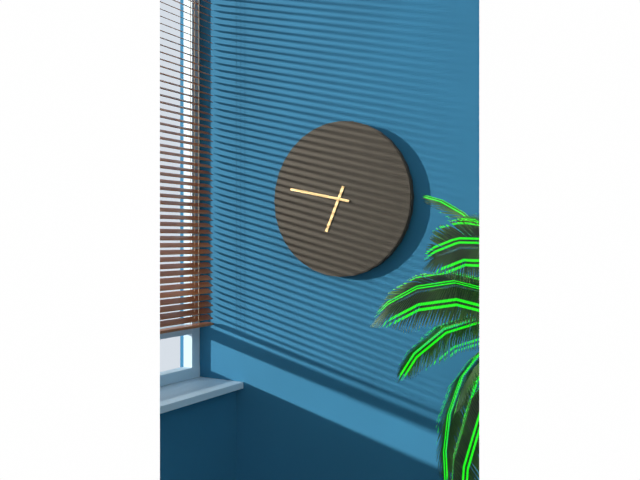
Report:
6:47
